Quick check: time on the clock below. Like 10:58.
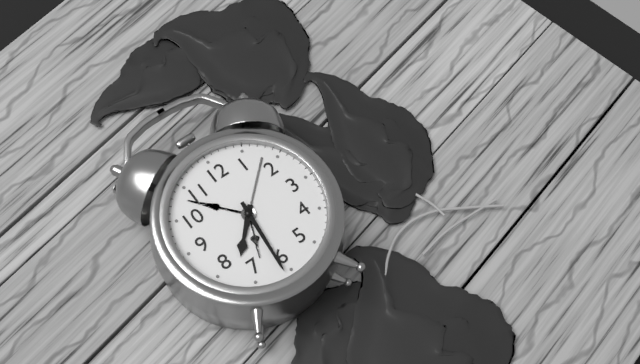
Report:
7:31
